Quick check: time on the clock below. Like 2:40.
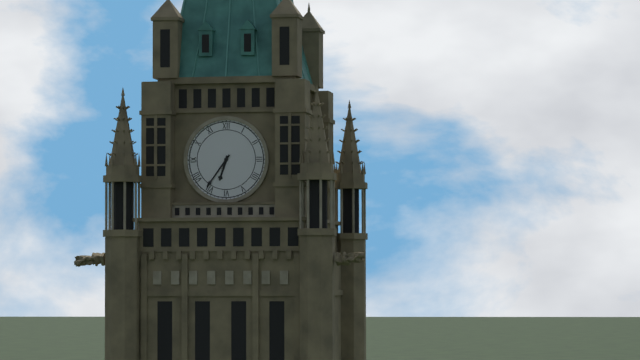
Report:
6:36
